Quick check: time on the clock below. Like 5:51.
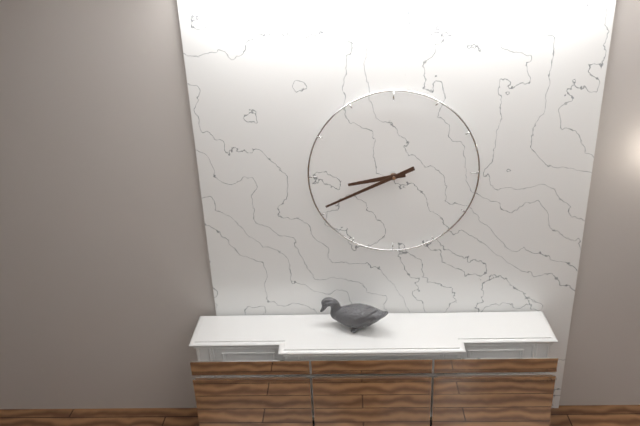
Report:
8:41
